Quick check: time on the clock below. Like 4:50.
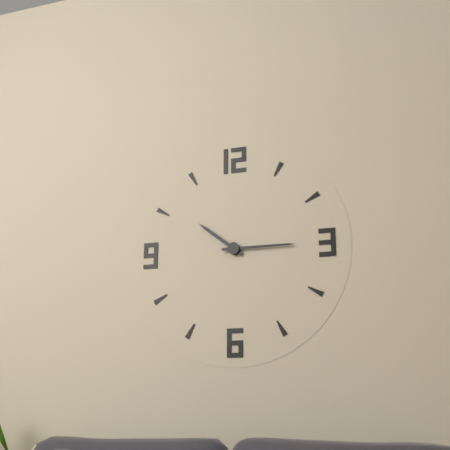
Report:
10:15
